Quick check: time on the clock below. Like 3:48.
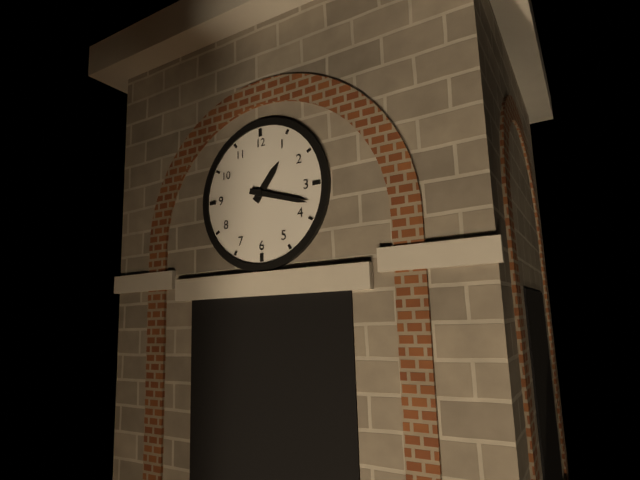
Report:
1:18
